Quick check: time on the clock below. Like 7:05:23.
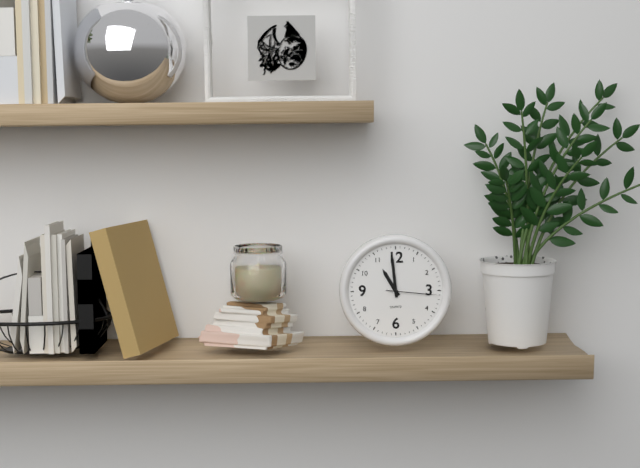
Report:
10:59:16
